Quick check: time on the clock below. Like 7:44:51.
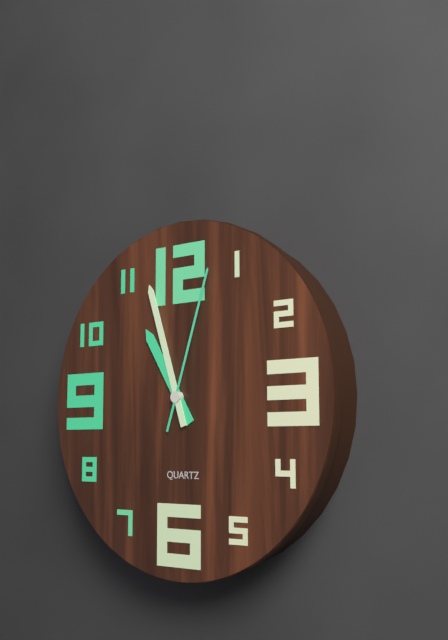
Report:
10:57:03
